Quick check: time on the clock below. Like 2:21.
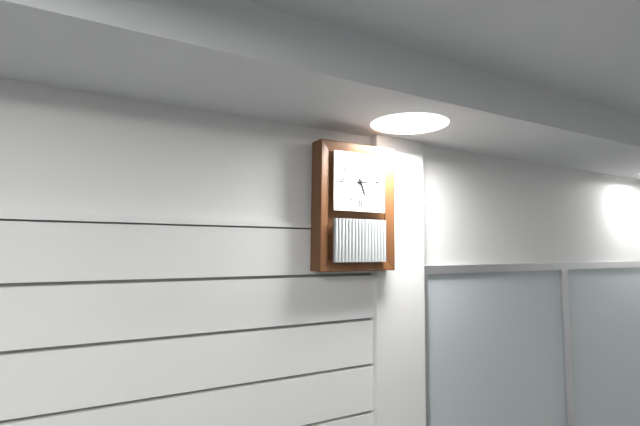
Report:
5:14
